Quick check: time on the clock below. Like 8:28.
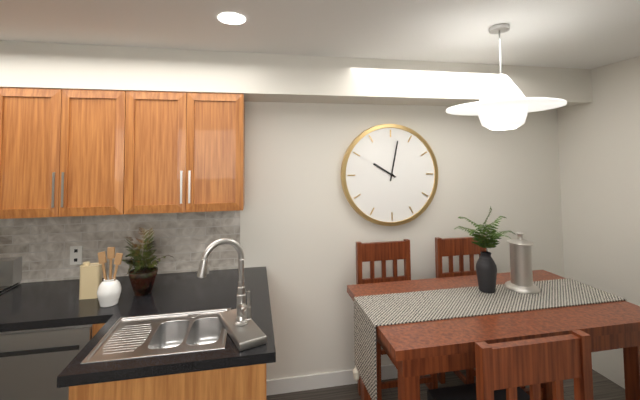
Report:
10:02
